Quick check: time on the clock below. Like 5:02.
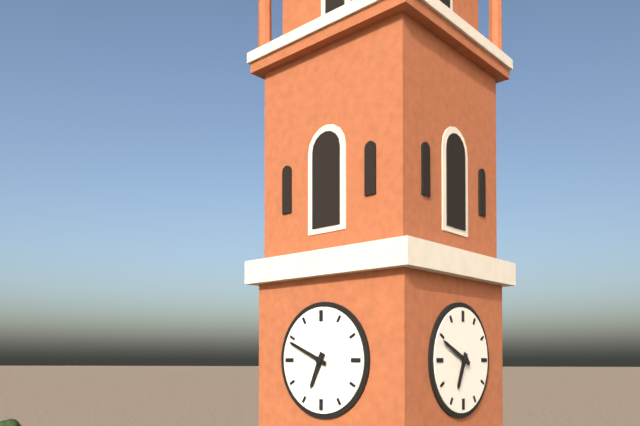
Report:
6:49
